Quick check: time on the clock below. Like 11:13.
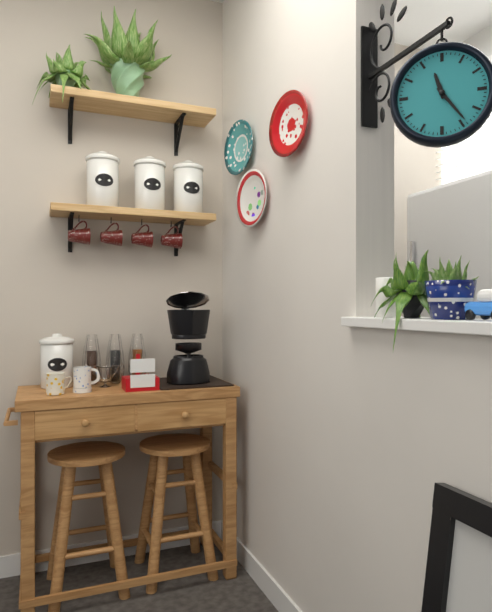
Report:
11:24
